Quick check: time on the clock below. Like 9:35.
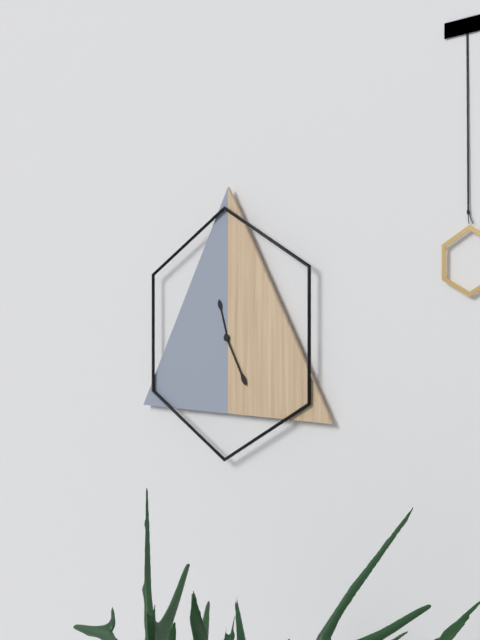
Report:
11:25
